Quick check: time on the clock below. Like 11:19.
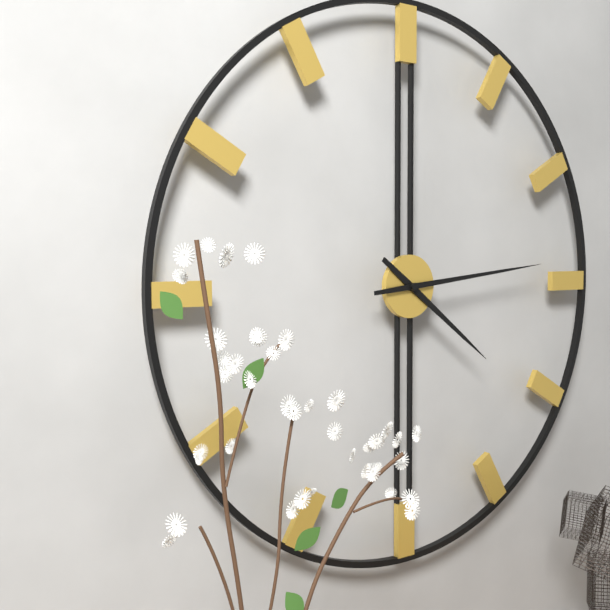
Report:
4:14
